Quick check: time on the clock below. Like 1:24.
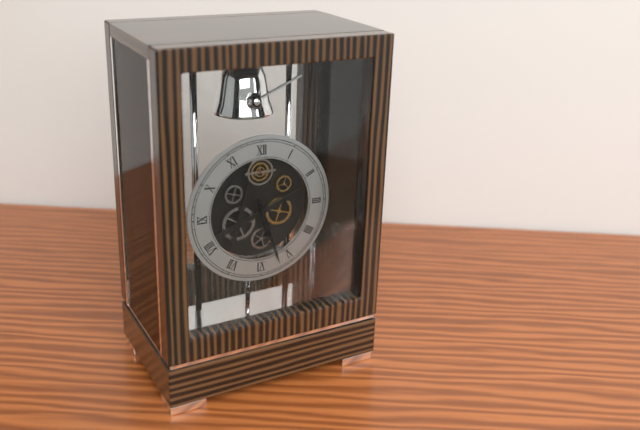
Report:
5:27
